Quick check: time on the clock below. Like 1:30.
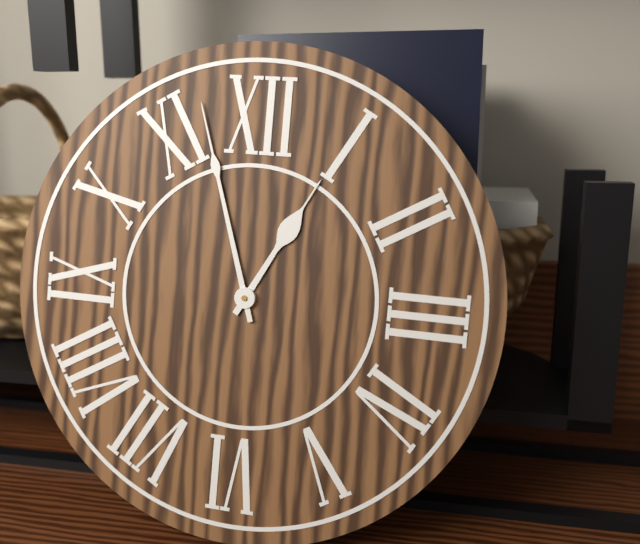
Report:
12:57
